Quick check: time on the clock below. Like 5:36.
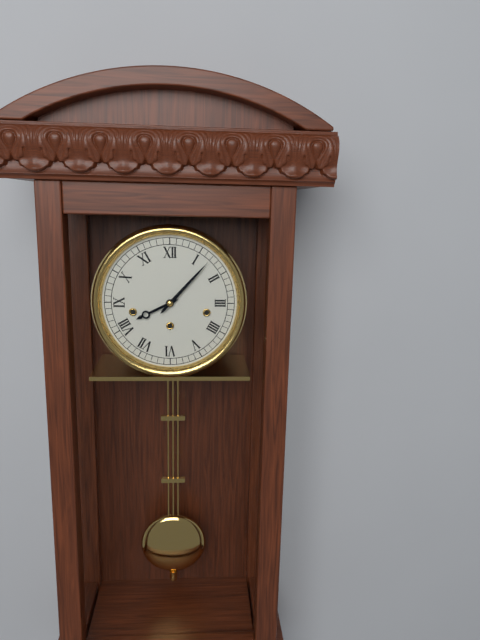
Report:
8:07
